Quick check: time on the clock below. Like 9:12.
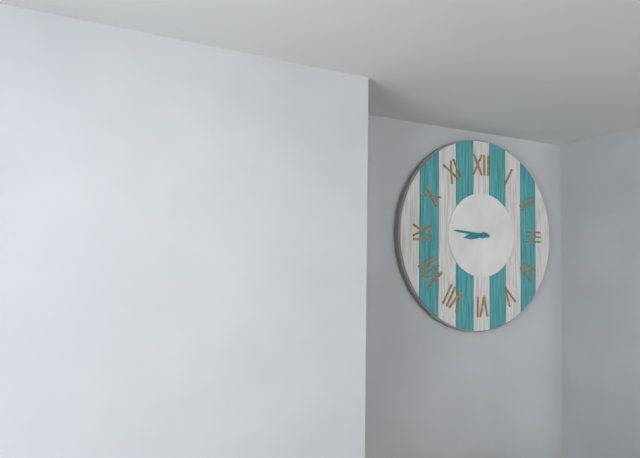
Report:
8:46
